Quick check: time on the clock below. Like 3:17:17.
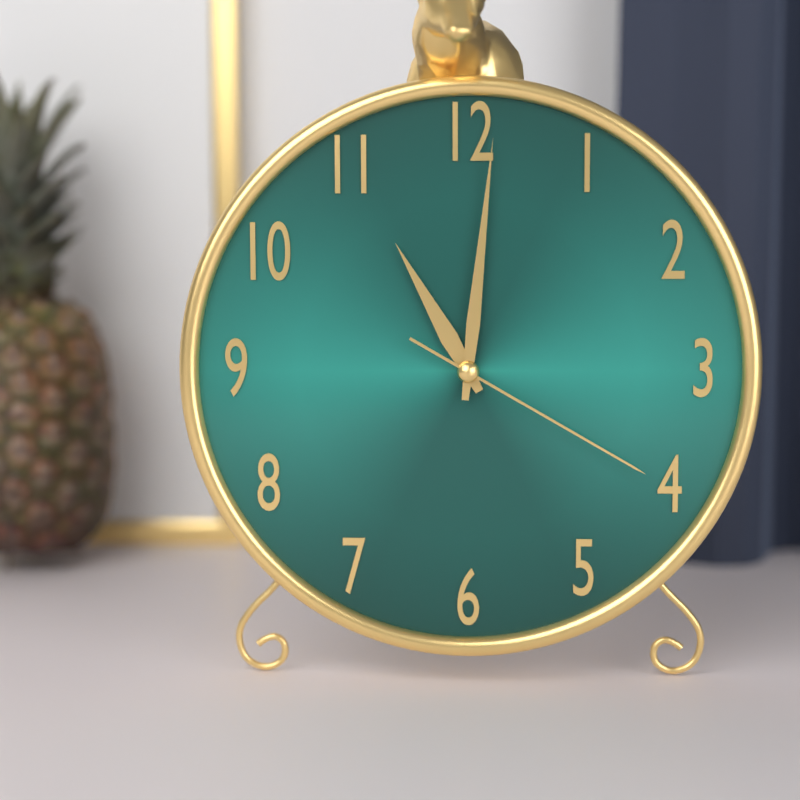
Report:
11:01:20
